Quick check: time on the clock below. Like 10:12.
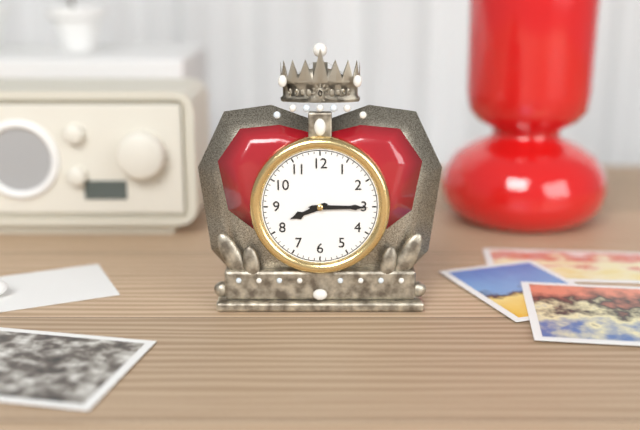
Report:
8:15
